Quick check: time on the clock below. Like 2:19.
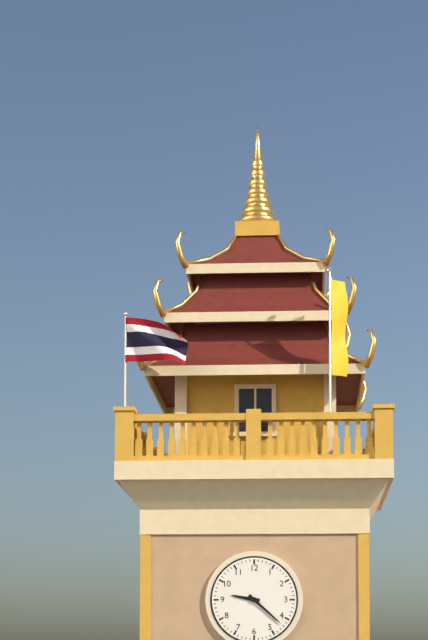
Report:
9:22
